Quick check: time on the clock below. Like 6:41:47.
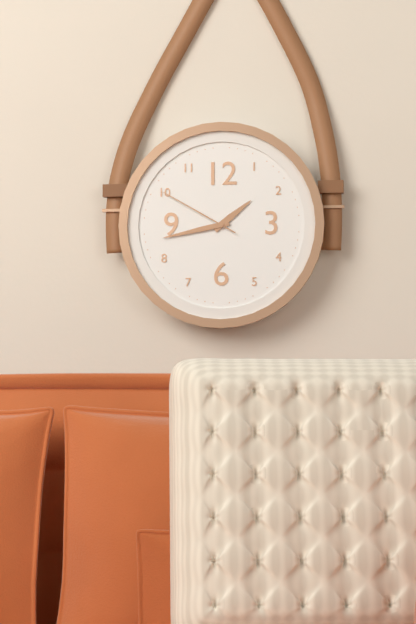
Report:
1:43:50
